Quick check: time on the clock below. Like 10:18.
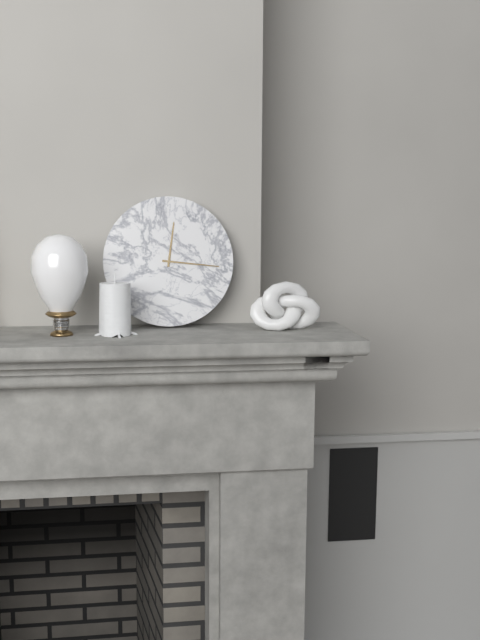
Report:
12:16
